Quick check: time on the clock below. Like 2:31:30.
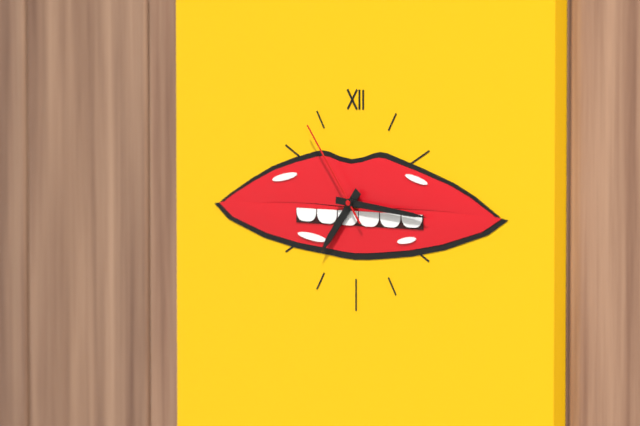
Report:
7:16:54
